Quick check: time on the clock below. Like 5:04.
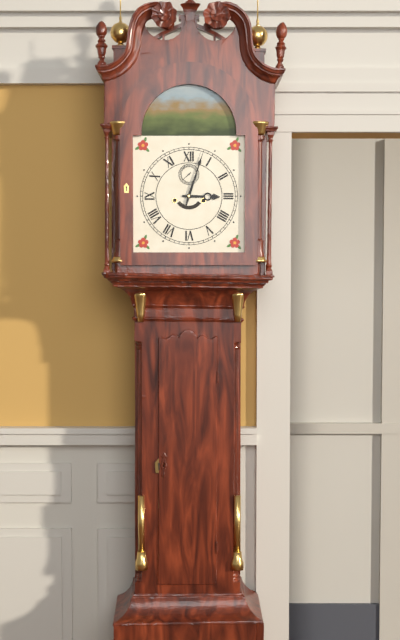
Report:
3:03
